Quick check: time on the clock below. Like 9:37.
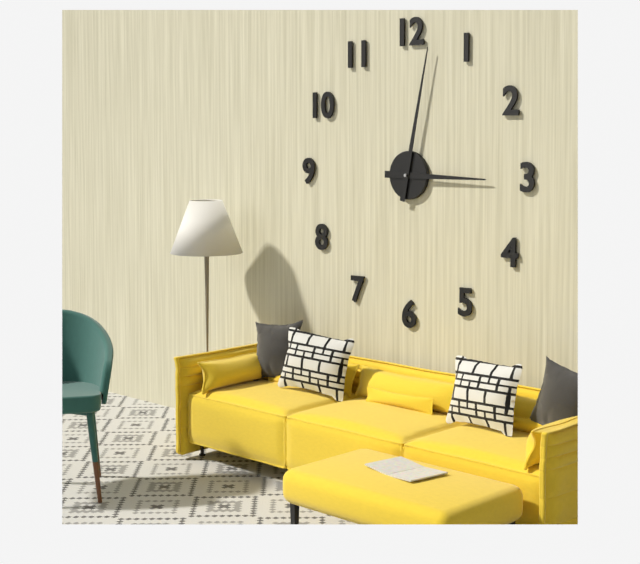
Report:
3:02
